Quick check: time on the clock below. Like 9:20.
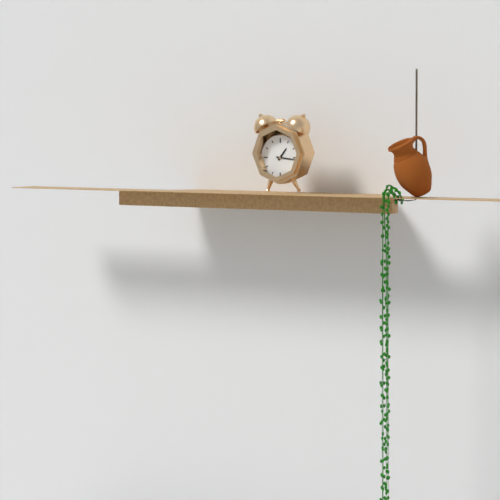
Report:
1:16
